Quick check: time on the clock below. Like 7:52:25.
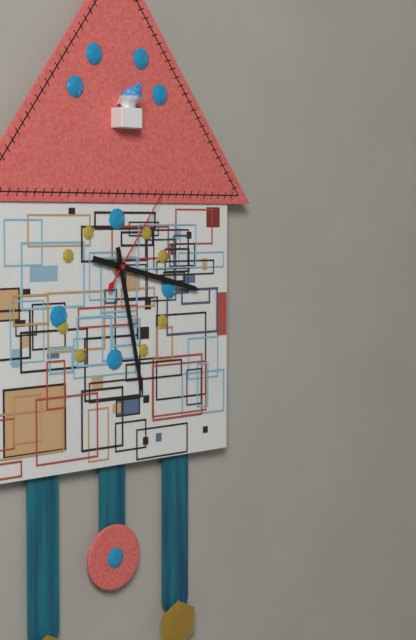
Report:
3:28:06
